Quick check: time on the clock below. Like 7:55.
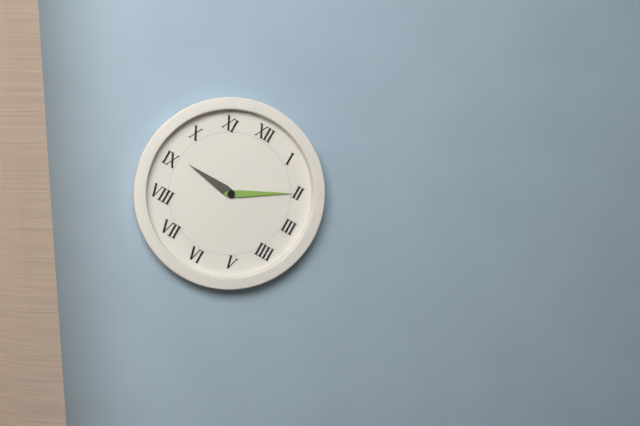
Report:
9:10
